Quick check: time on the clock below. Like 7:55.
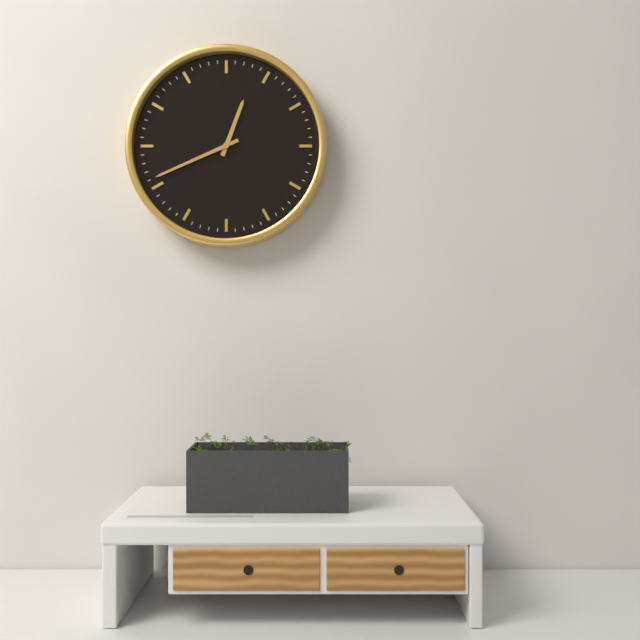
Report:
12:41
